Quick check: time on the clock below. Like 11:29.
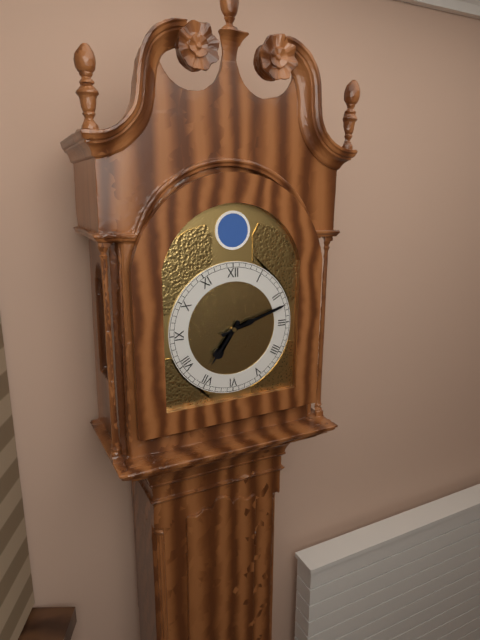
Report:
7:12
